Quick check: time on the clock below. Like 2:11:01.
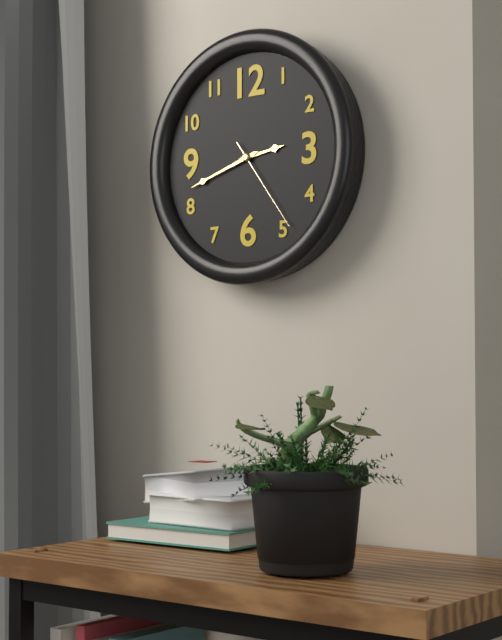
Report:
2:42:24
